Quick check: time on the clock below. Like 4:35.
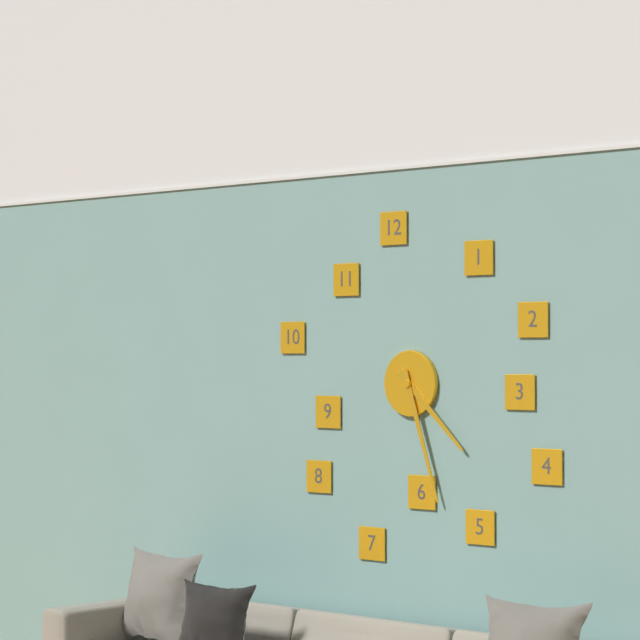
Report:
4:27
